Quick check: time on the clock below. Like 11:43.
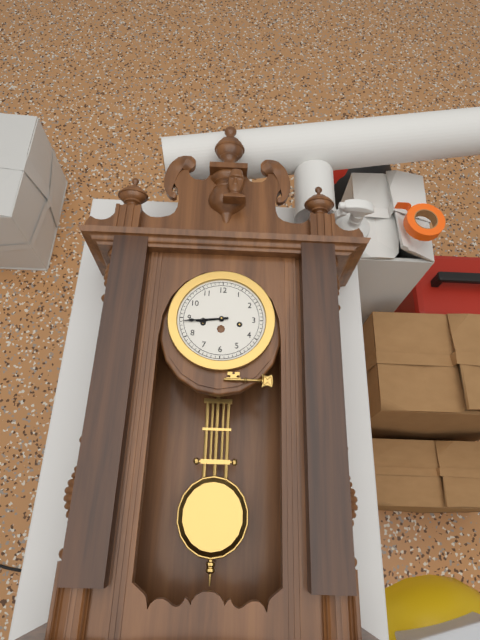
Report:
8:44
